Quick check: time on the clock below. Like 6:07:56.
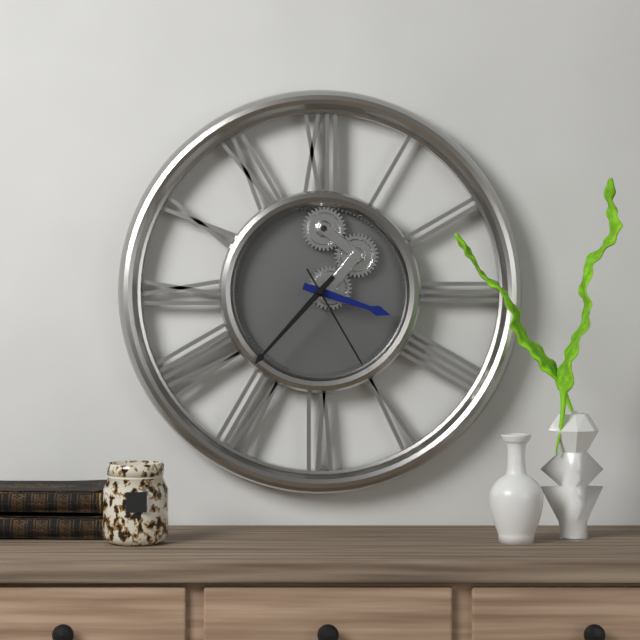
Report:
3:37:25
